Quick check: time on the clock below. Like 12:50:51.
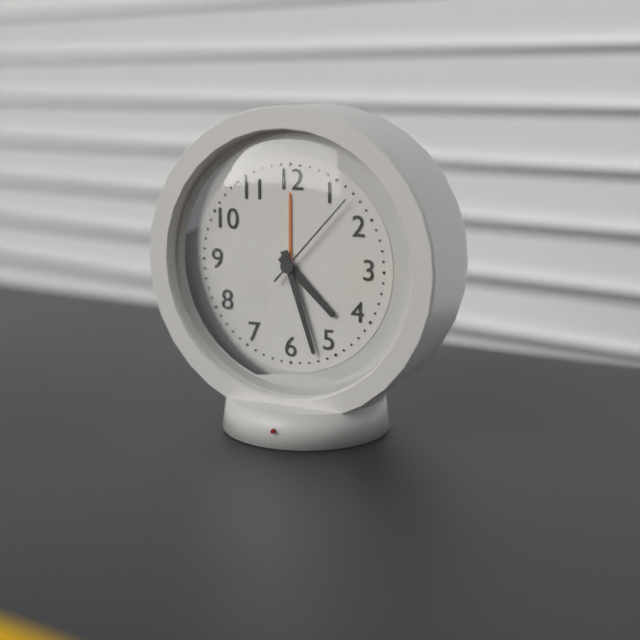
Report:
4:27:07
